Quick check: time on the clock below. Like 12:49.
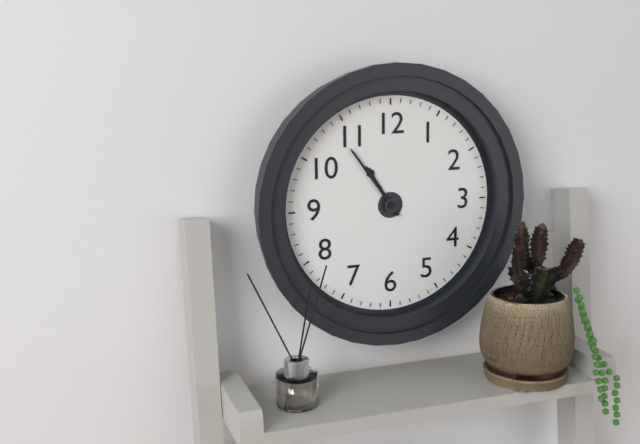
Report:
10:54
